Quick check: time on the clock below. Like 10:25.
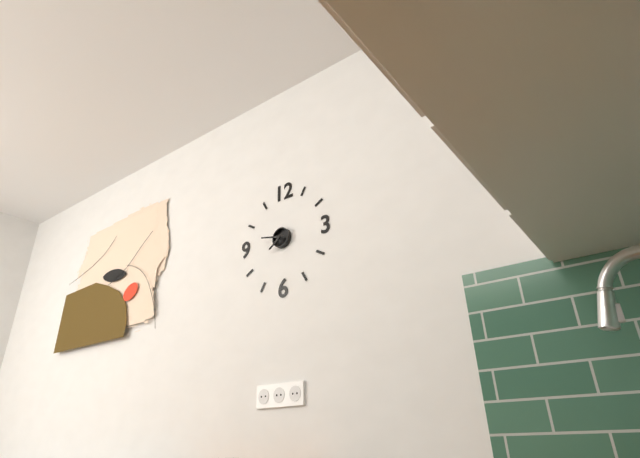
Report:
7:47
